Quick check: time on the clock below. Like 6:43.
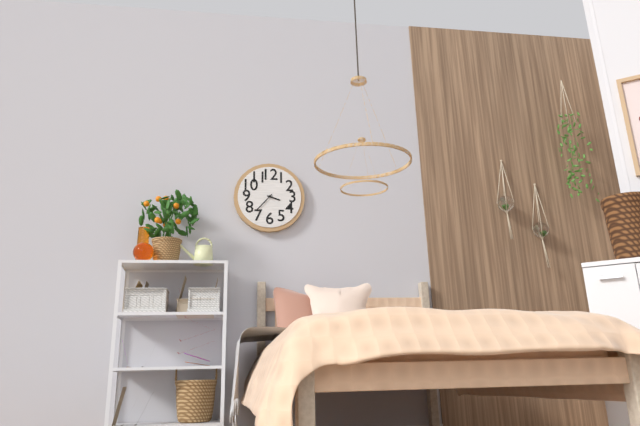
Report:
3:37
